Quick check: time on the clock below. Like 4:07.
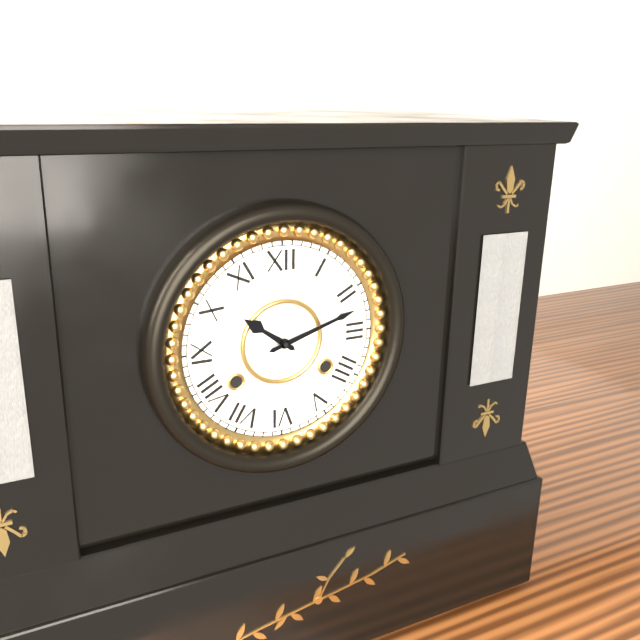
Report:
10:12
